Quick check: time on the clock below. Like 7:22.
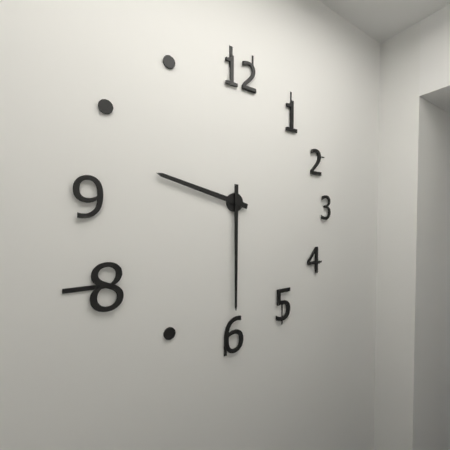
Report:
9:30
